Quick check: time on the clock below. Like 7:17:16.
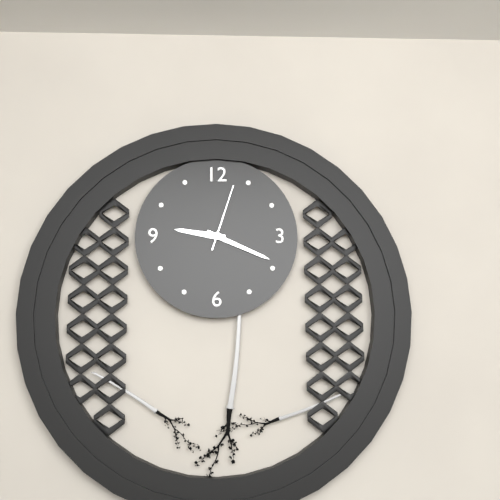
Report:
9:19:03
